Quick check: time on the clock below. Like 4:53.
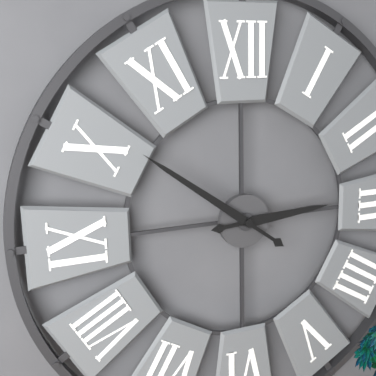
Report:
2:51
